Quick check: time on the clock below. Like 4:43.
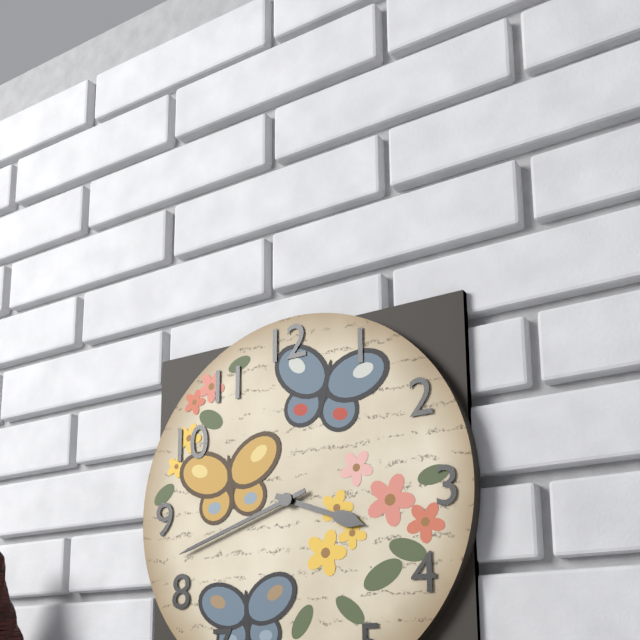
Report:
3:42
